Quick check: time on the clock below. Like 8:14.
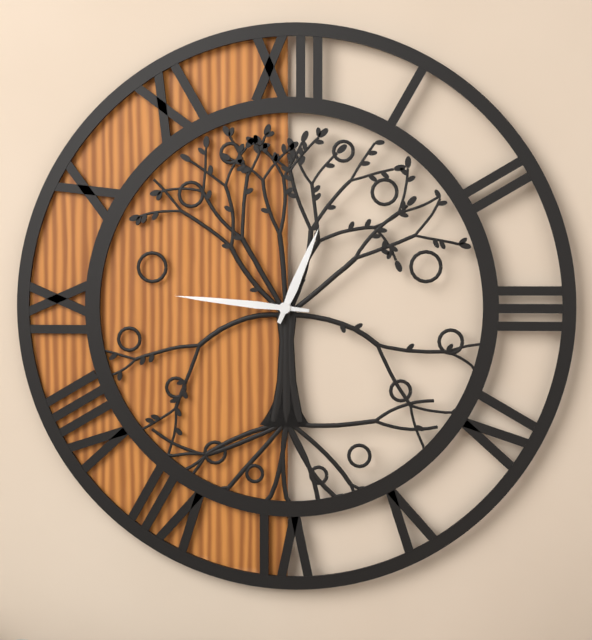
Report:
12:46
